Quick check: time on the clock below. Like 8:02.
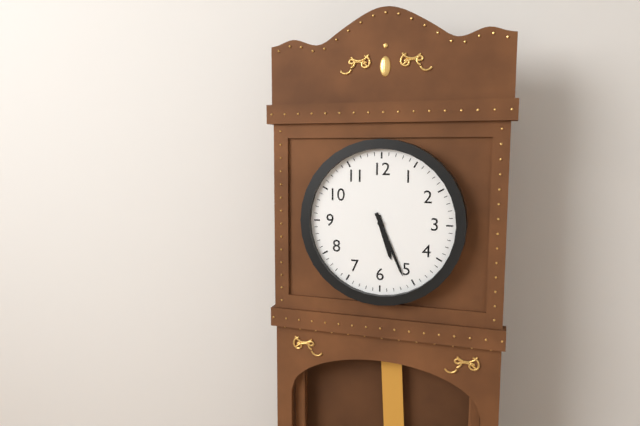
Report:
5:26
